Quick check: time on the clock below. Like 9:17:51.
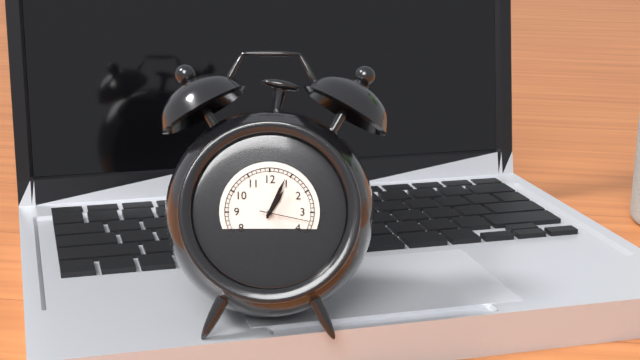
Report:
1:04:17
